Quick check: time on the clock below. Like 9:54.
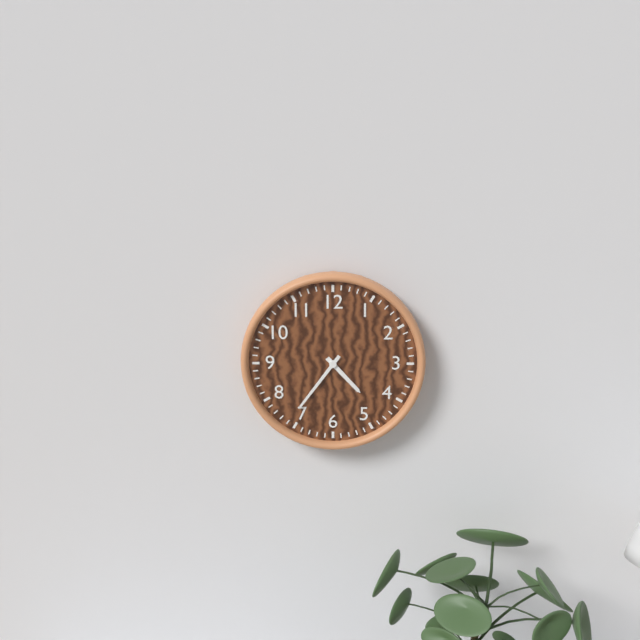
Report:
4:36
